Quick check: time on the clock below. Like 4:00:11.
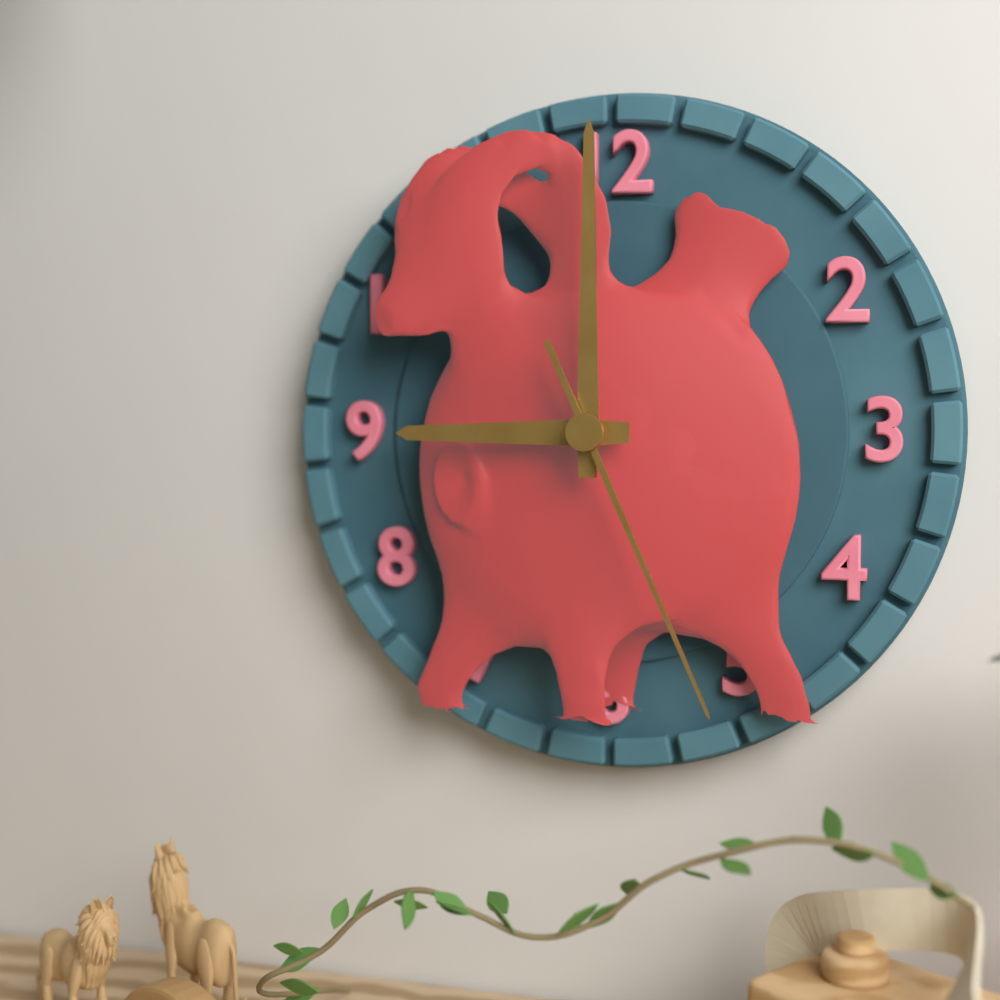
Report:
9:00:26
